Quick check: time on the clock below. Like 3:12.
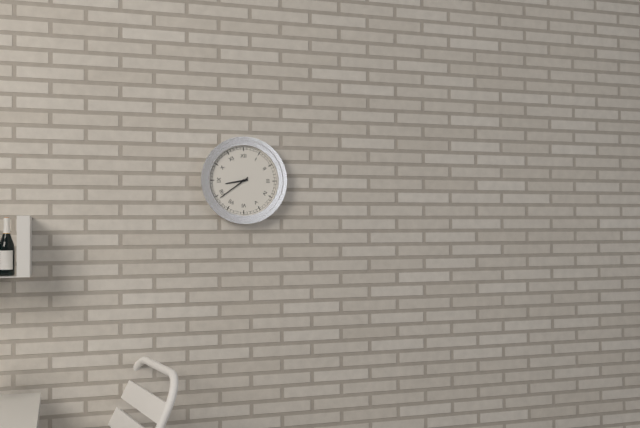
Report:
8:39
